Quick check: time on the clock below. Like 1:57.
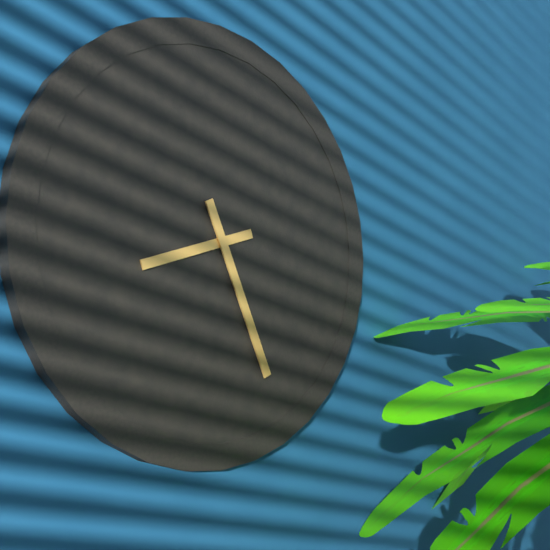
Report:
8:26
